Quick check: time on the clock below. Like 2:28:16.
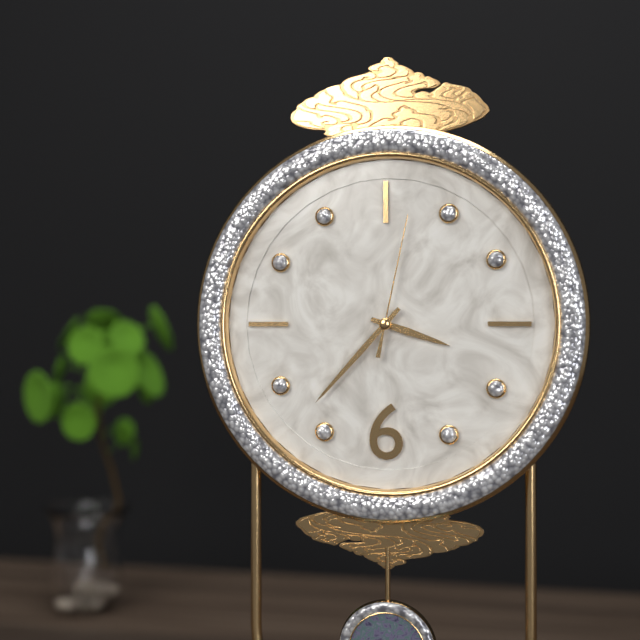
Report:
3:37:02
